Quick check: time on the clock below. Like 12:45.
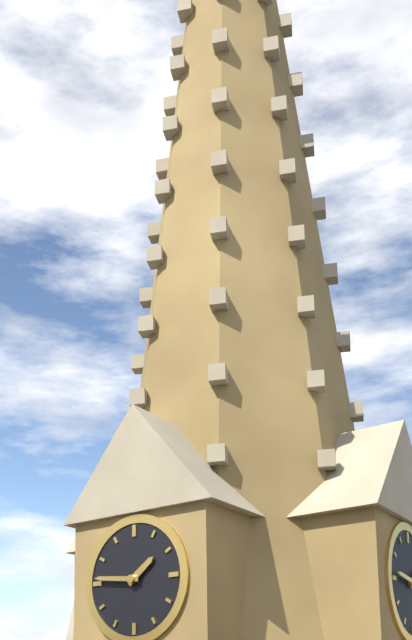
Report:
1:46
